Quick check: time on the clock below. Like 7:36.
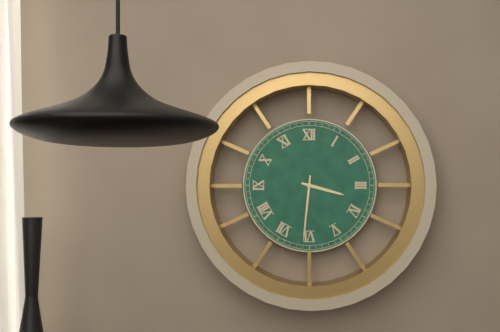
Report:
3:31
